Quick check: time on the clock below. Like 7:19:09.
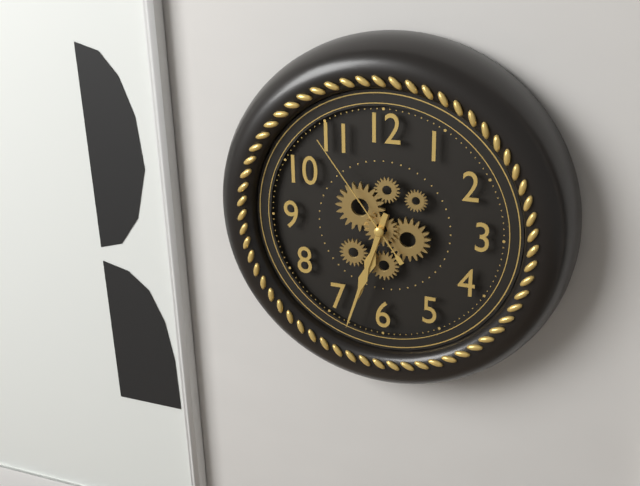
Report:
6:33:54
